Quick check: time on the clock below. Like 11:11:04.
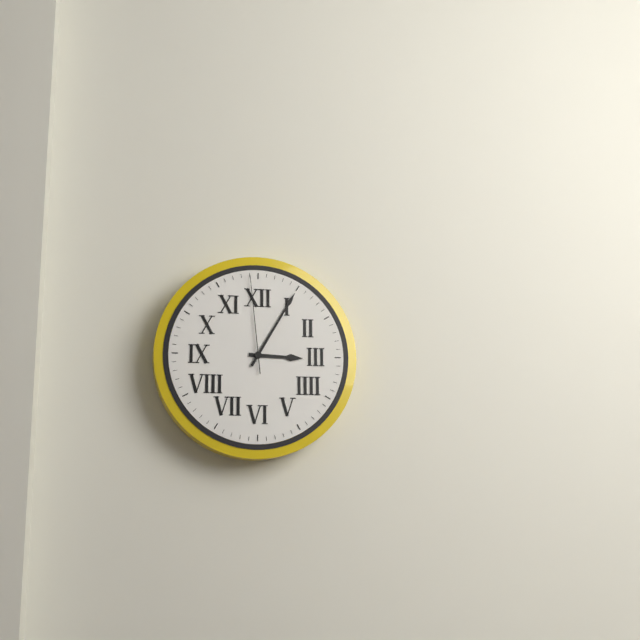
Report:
3:05:59
